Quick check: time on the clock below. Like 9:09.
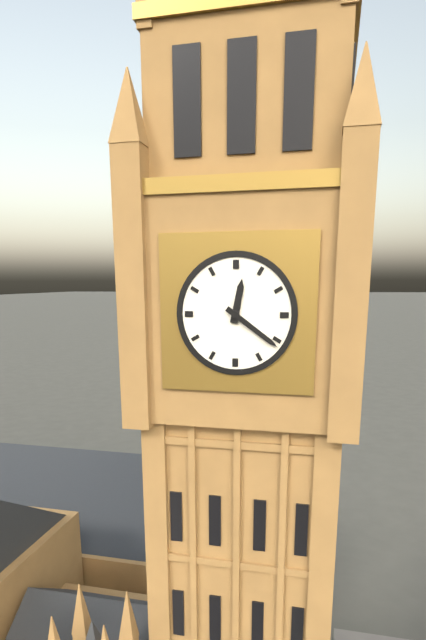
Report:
12:21
